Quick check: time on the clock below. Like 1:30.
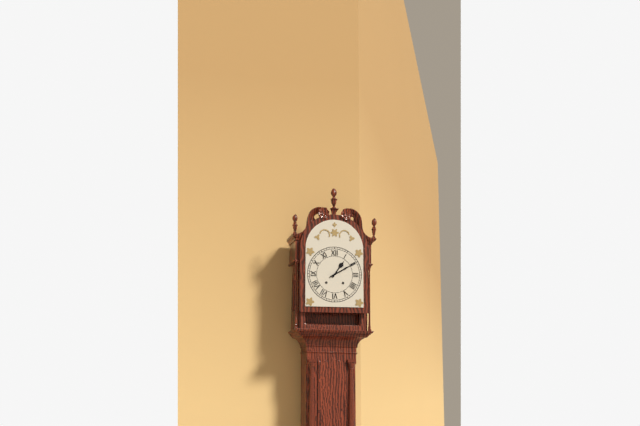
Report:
1:10
